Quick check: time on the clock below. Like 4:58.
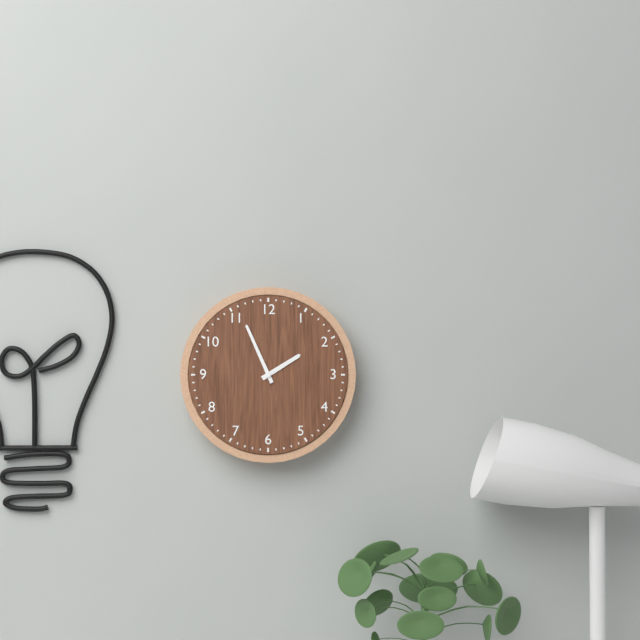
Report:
1:56
